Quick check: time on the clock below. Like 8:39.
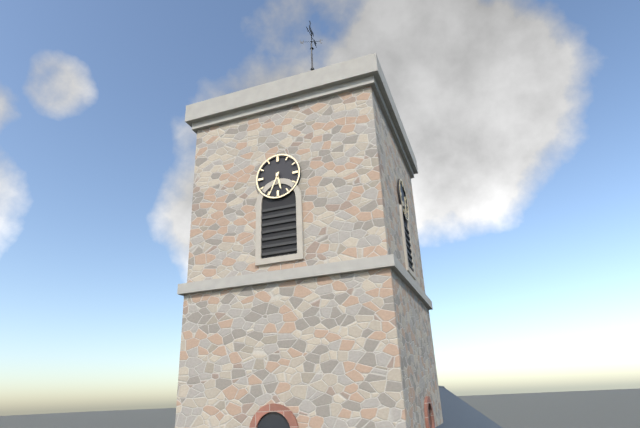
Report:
5:34
